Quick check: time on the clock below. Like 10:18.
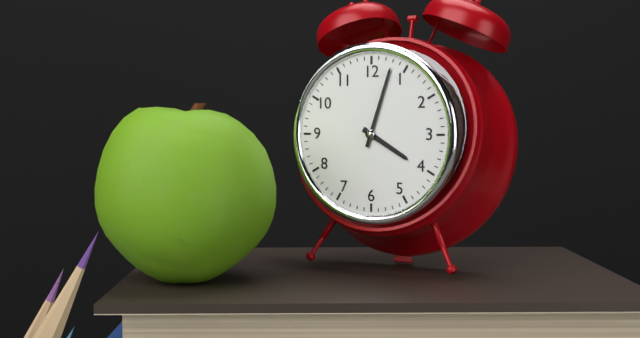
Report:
4:03
